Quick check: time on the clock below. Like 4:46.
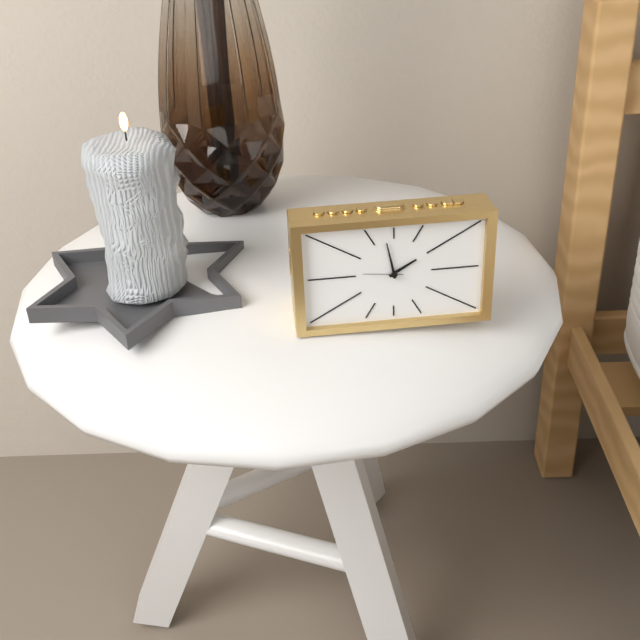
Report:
1:58
